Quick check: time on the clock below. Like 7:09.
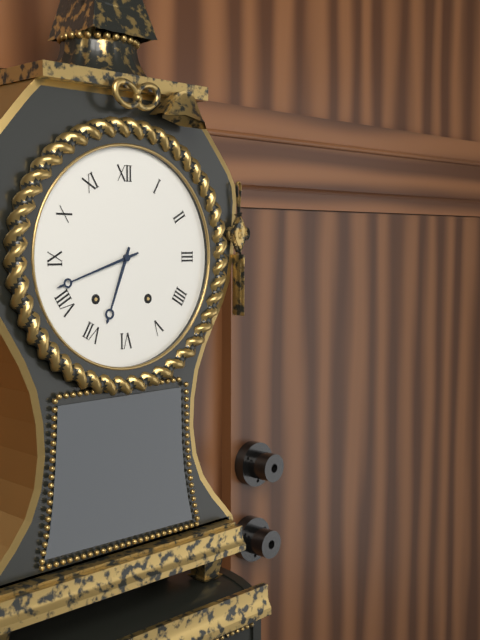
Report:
6:42
